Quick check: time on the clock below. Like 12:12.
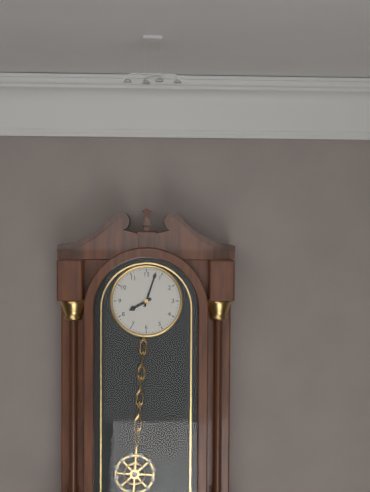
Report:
8:03
